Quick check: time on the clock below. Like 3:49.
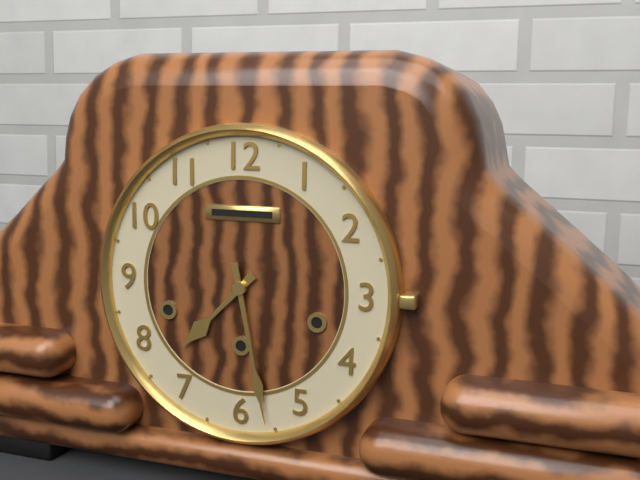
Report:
7:28
